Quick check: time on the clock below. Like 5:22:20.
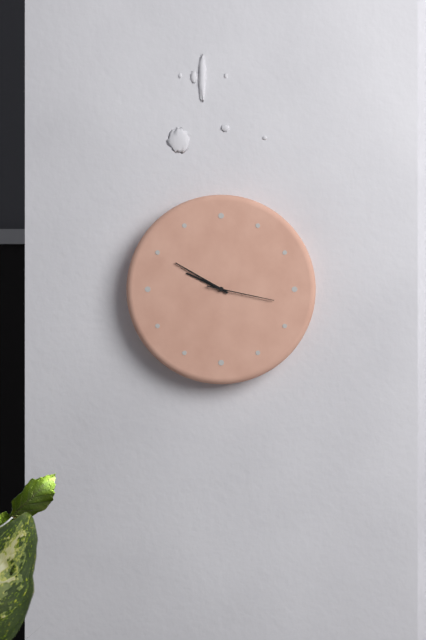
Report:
9:50:17
